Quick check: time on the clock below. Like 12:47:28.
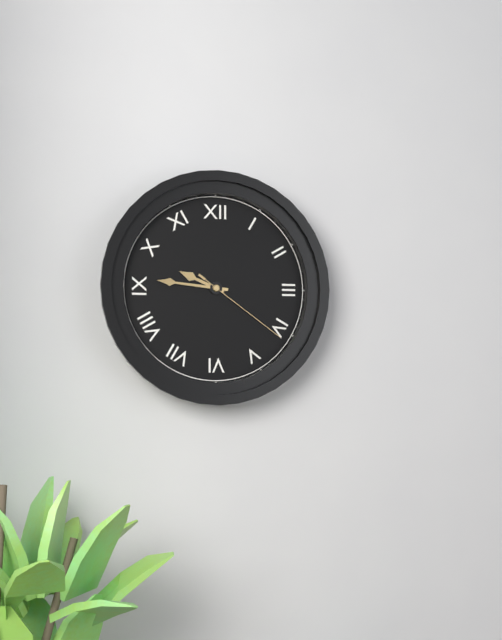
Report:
9:46:21
